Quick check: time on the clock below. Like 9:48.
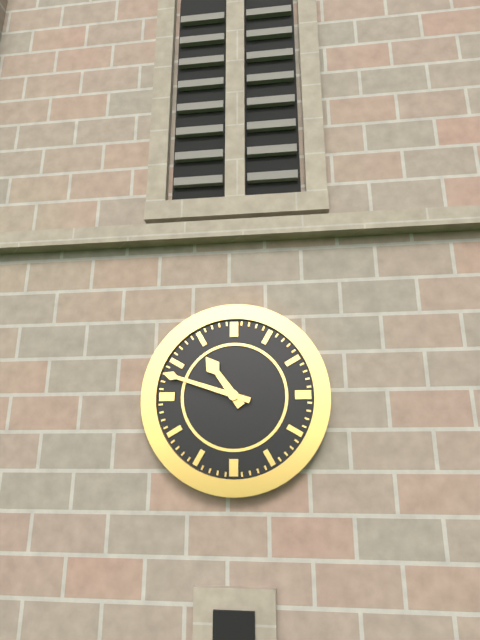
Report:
10:48
